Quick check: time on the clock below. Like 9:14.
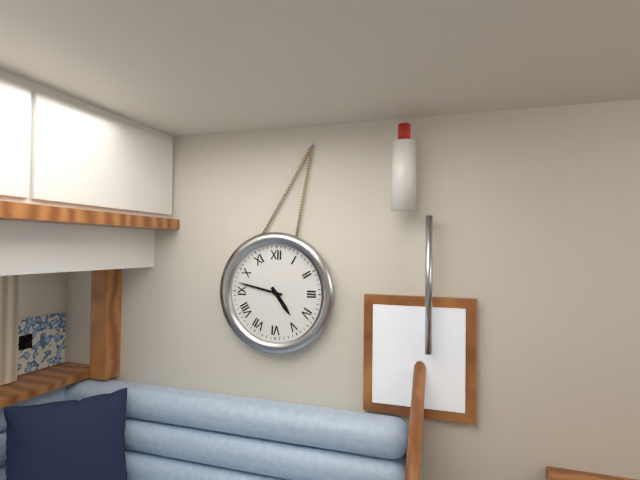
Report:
4:47
